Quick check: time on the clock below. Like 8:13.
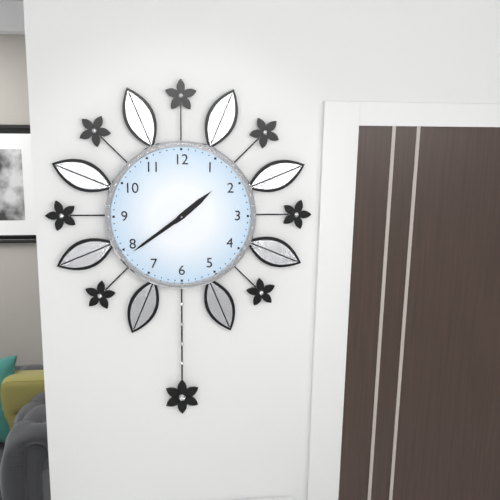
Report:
1:39
